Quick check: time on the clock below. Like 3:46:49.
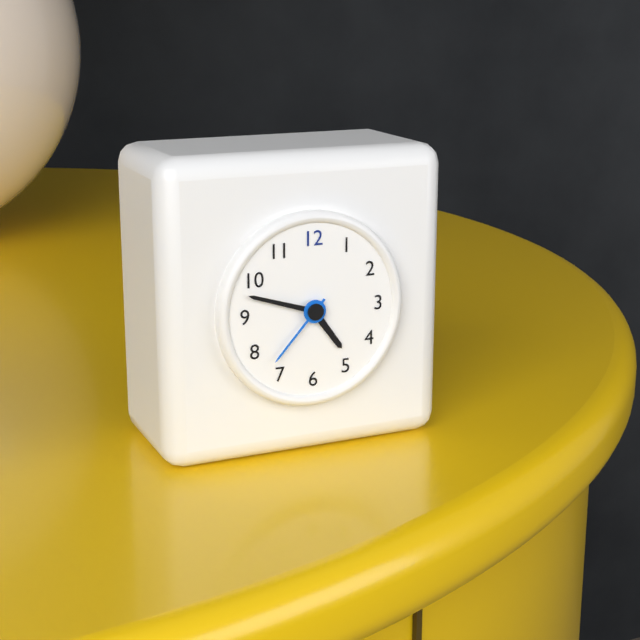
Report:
4:48:37
